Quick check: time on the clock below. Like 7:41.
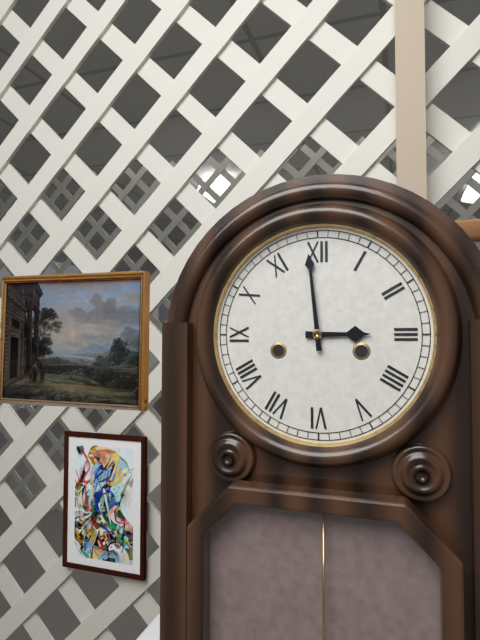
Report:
2:59
